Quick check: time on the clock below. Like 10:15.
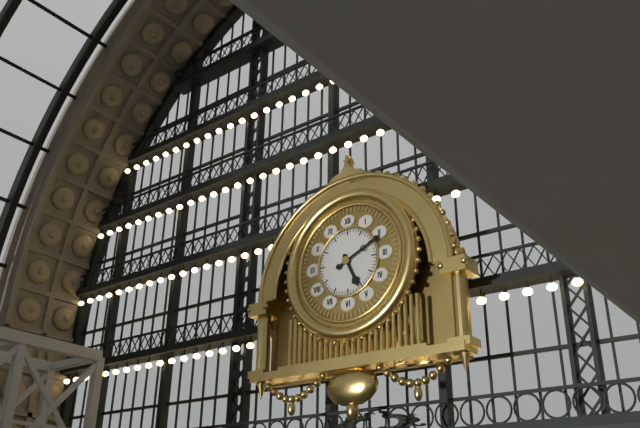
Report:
5:11
